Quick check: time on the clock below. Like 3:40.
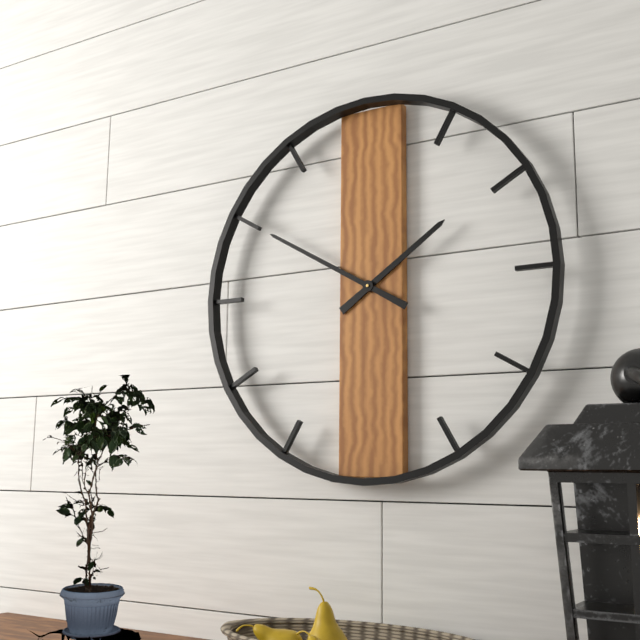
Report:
1:50
